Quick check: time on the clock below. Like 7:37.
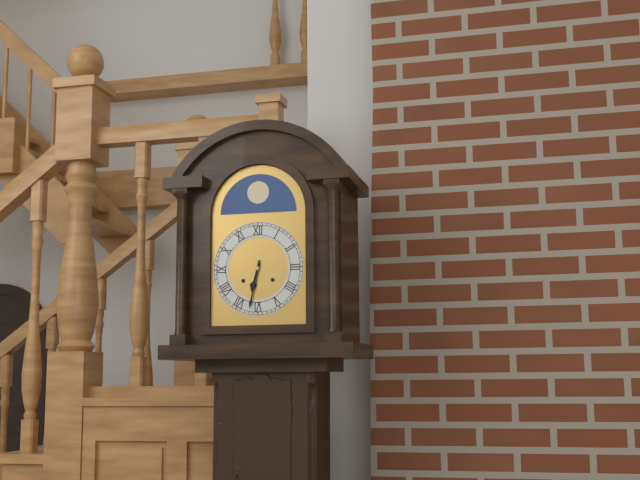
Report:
6:32
